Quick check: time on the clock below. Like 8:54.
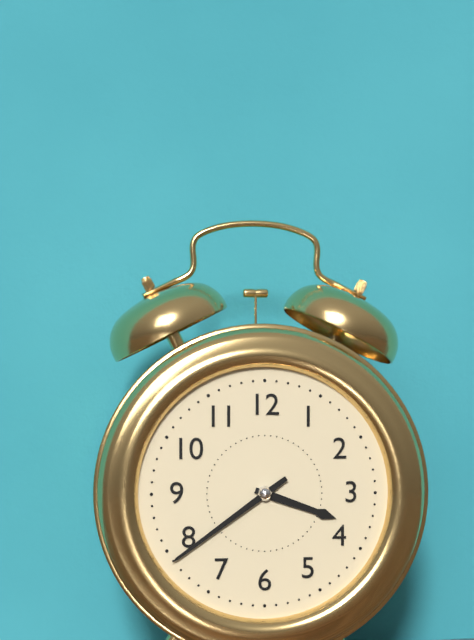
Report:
3:39
